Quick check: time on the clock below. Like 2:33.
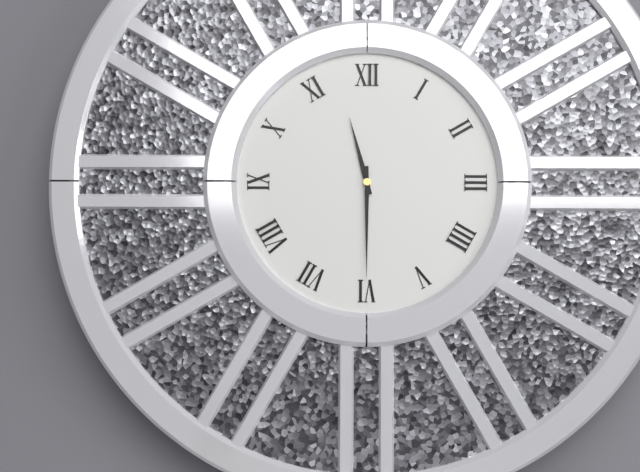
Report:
11:30
